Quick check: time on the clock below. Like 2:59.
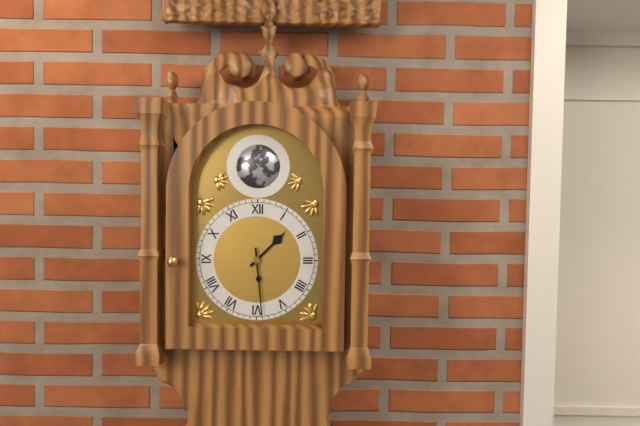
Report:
1:29
